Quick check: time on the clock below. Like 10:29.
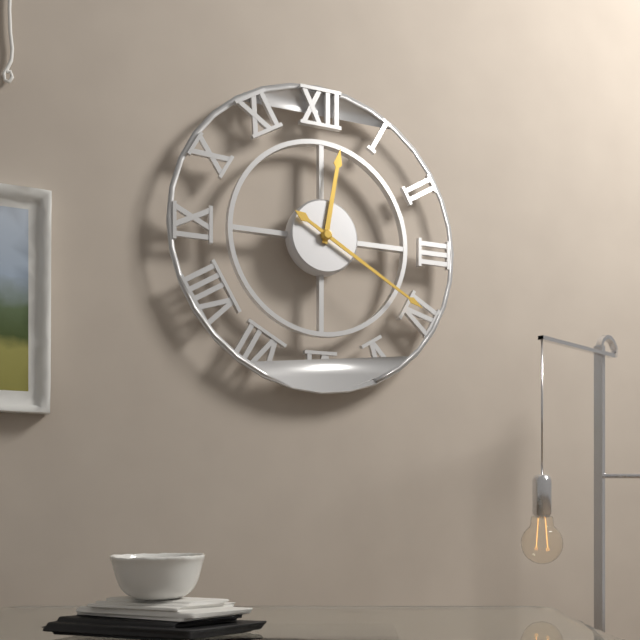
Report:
12:20
